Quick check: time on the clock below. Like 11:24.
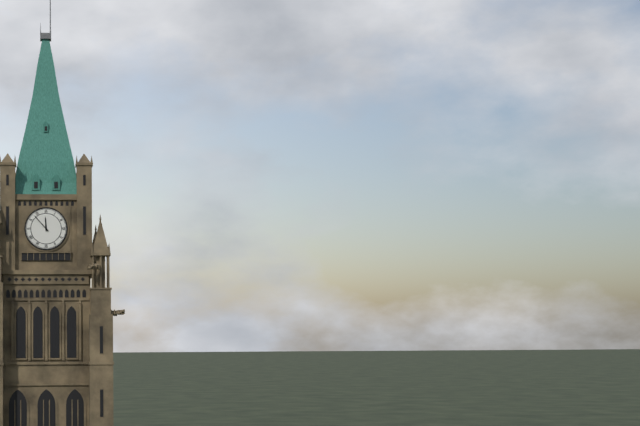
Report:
11:53
